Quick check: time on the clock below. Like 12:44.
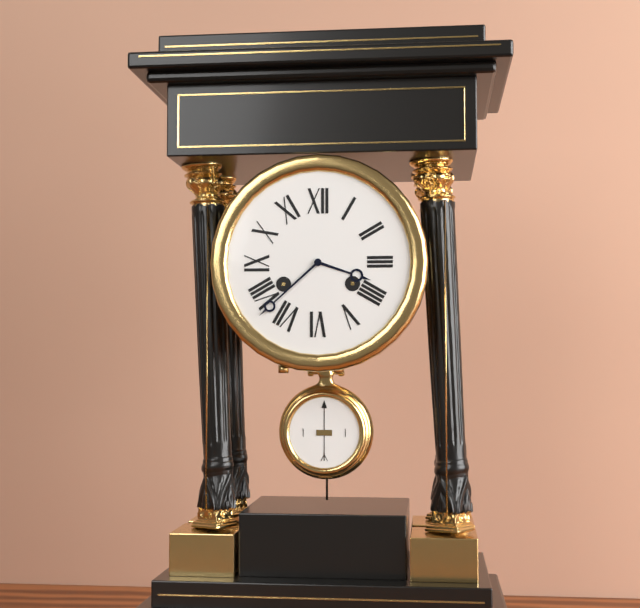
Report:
3:38
